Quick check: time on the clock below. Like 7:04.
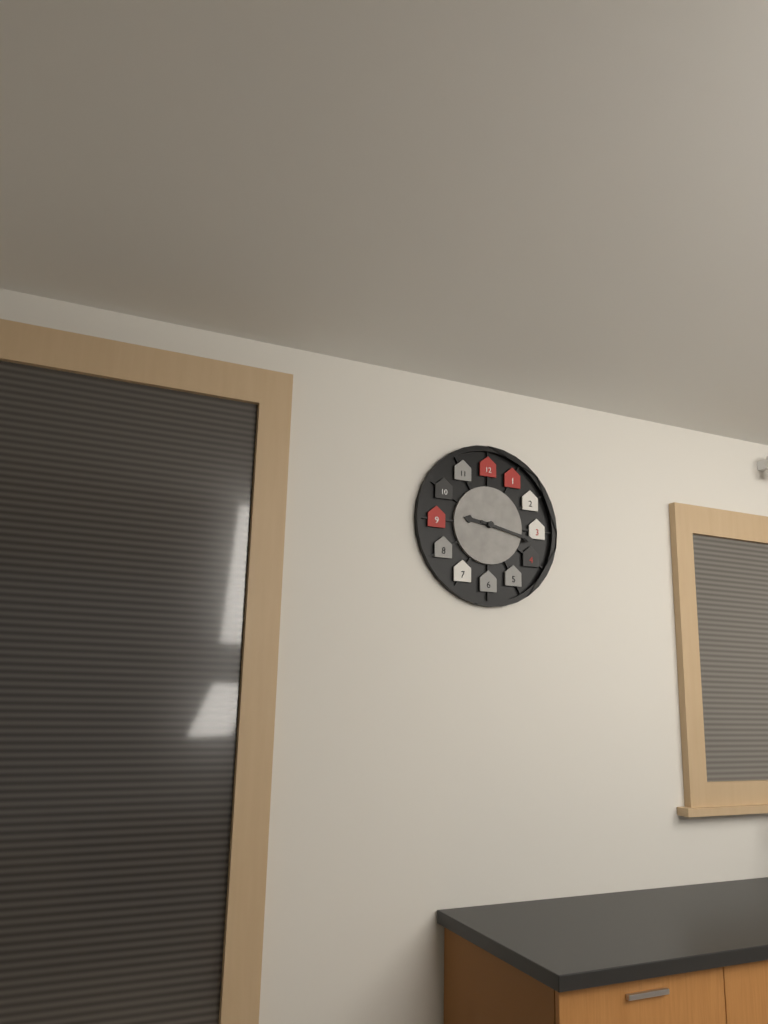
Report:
9:17
